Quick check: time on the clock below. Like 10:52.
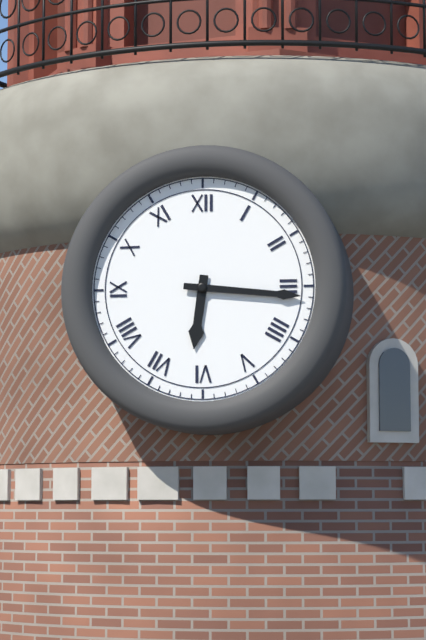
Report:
6:16
